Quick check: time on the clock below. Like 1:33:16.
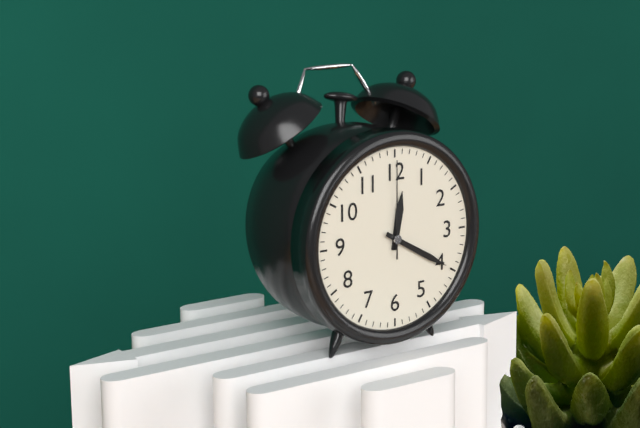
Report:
12:20:00
